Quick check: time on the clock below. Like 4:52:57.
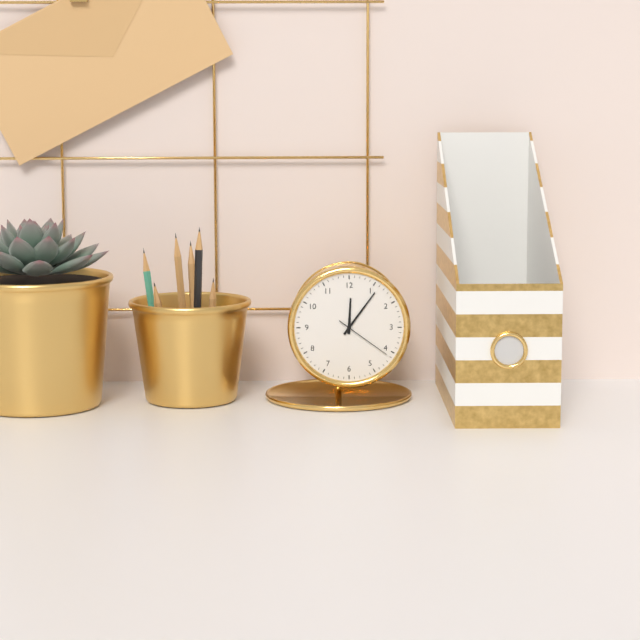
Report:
12:06:21
